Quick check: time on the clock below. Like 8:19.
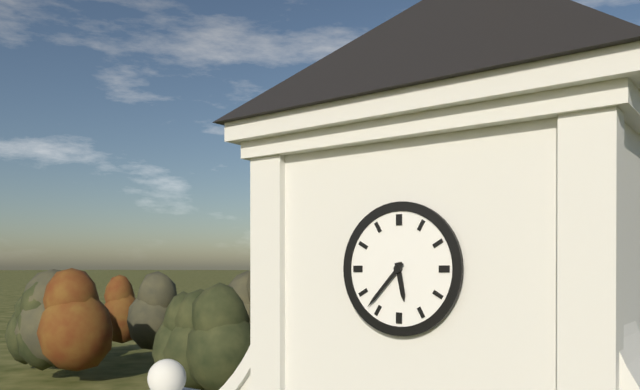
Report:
5:37
